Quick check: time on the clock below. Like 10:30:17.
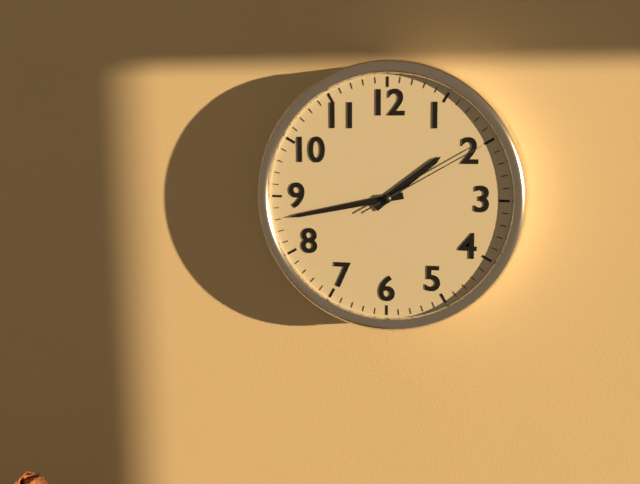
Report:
1:43:10
